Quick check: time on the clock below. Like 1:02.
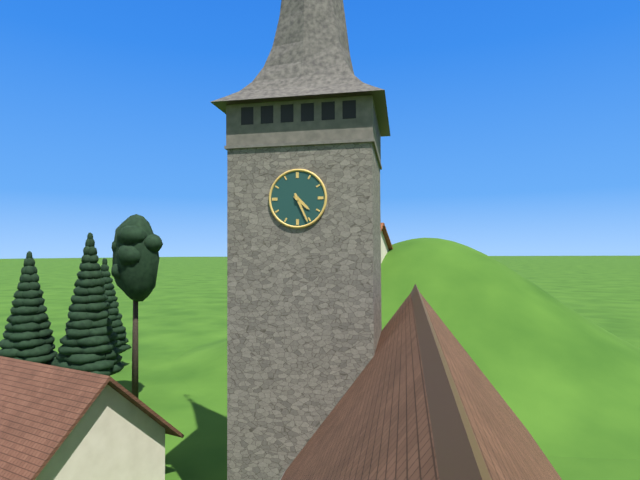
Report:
4:26
